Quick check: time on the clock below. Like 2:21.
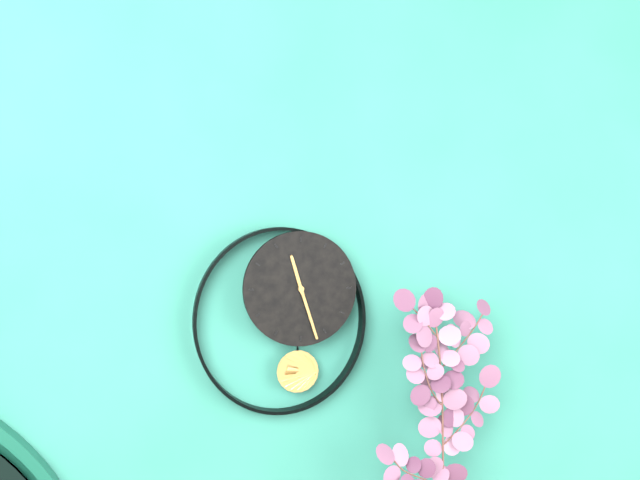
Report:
11:27
